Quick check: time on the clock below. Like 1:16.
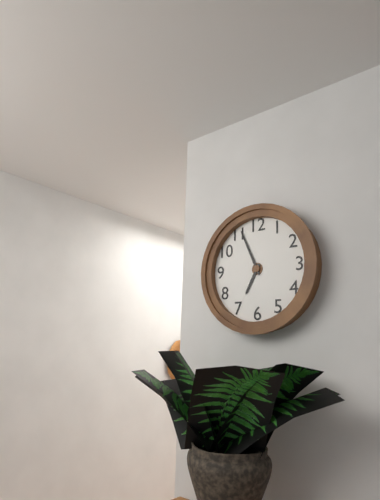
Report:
6:56
